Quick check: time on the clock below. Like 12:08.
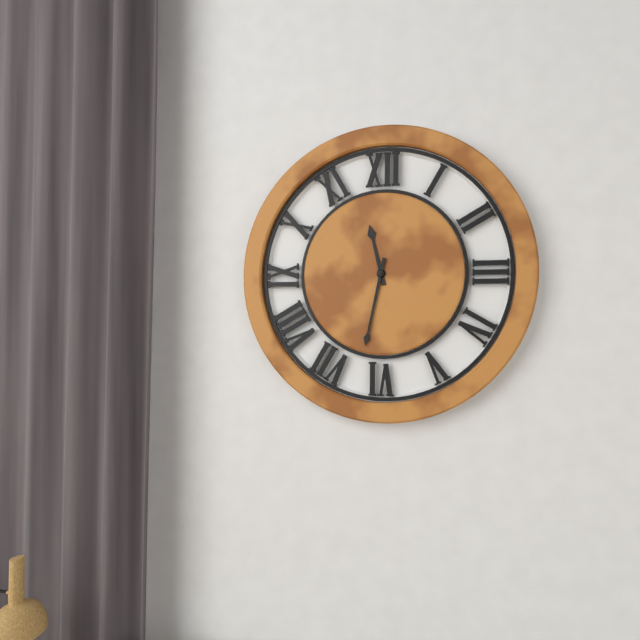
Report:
11:32
